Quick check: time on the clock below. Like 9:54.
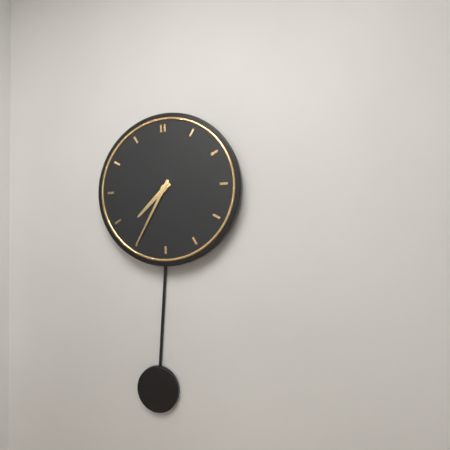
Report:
7:35
